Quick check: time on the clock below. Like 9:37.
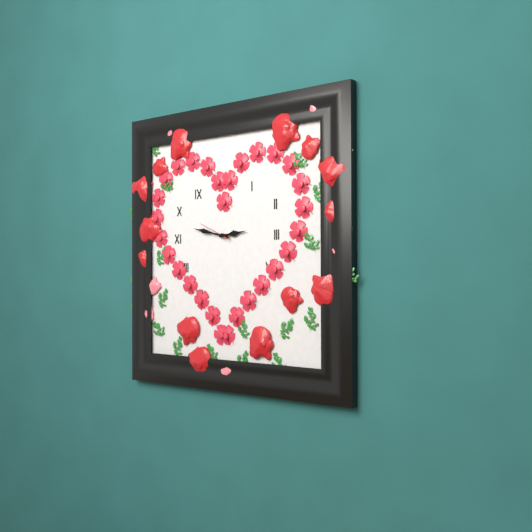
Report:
2:47
